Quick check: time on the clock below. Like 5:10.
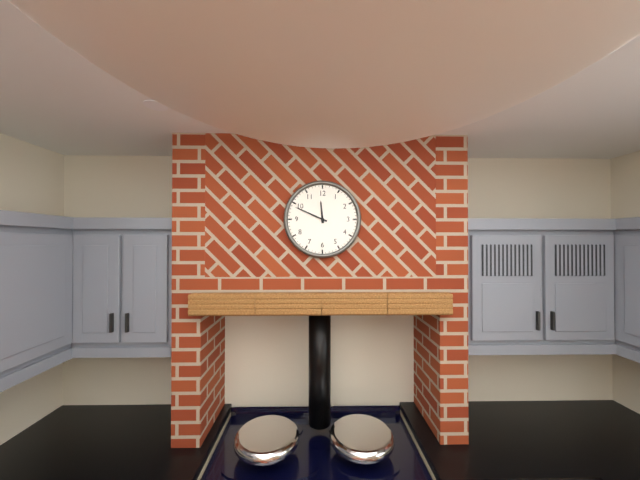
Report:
11:49
